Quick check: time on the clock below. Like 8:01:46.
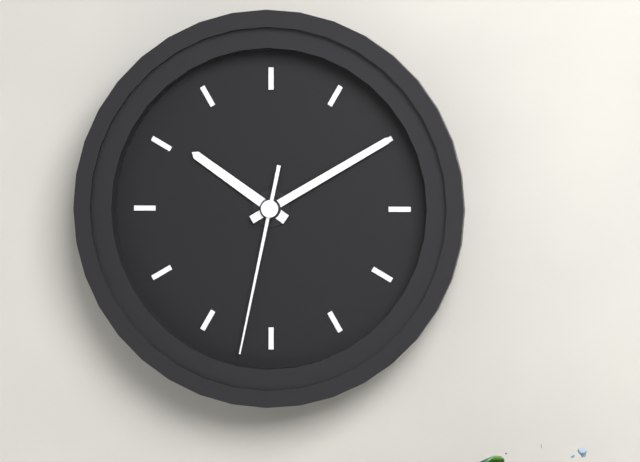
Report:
10:10:32
